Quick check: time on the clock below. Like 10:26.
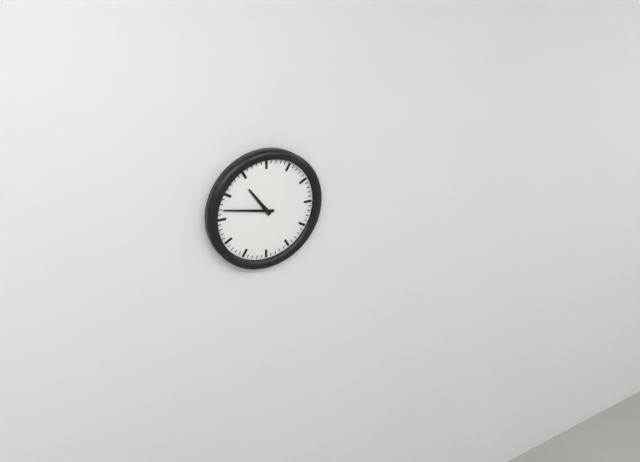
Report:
10:47
